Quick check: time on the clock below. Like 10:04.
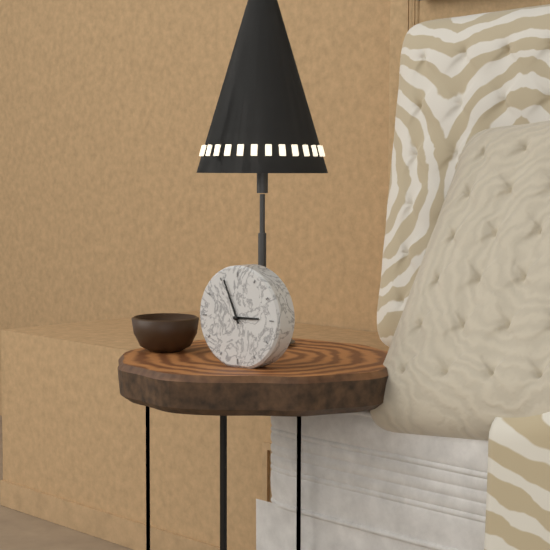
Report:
2:56
